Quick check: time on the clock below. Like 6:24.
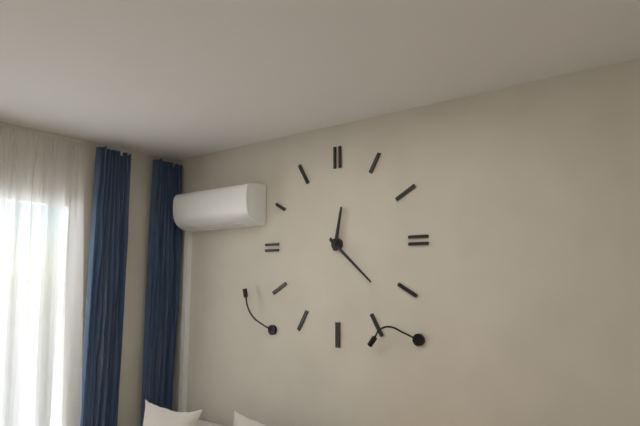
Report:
12:22
